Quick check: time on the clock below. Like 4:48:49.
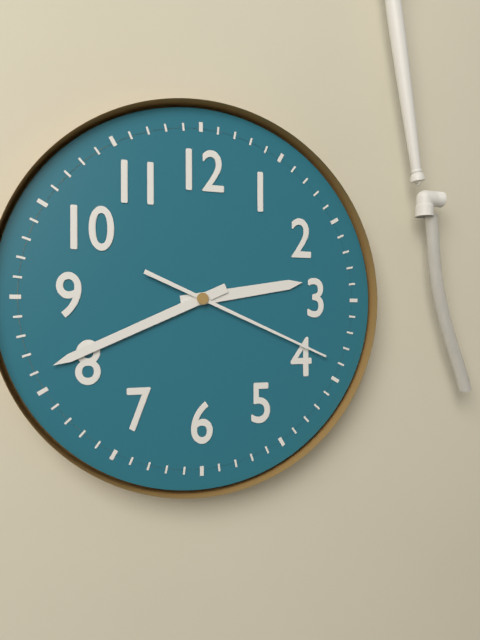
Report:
2:41:19
